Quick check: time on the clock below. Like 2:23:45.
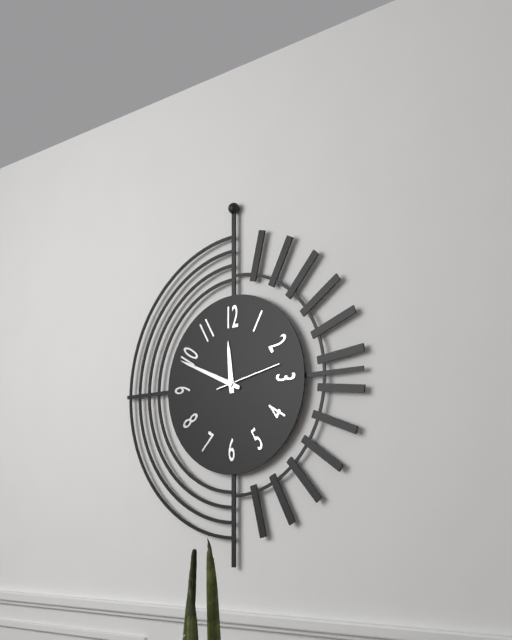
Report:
11:49:13
